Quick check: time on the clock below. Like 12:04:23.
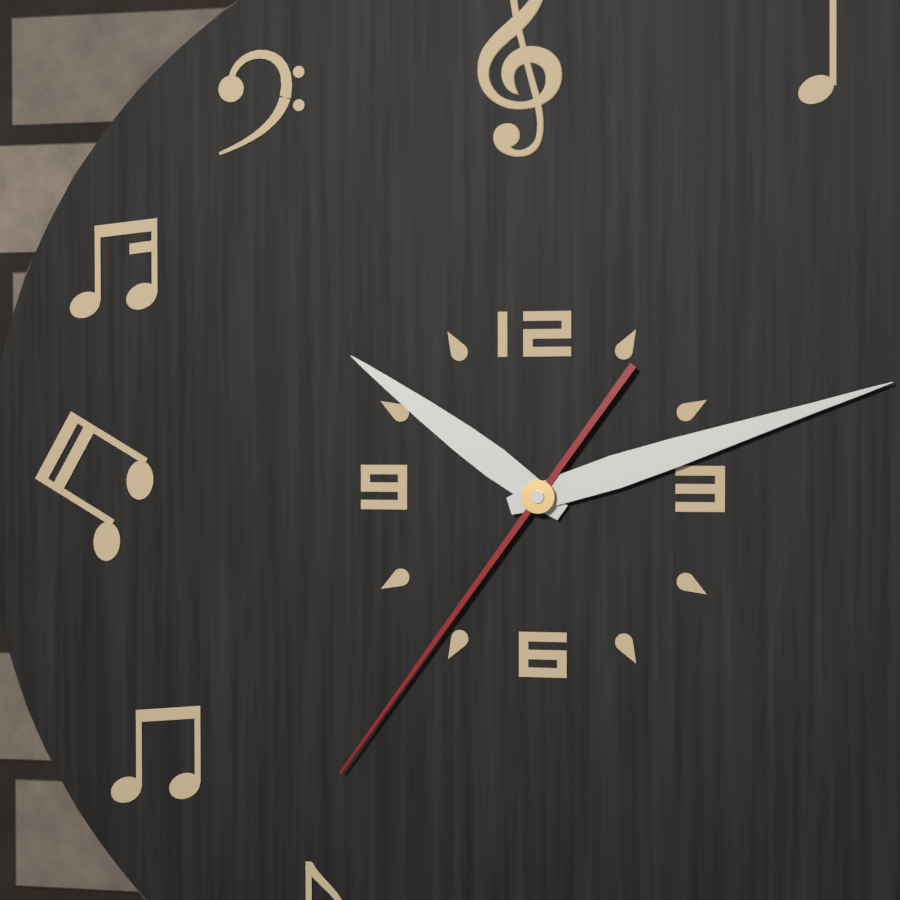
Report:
10:12:36
